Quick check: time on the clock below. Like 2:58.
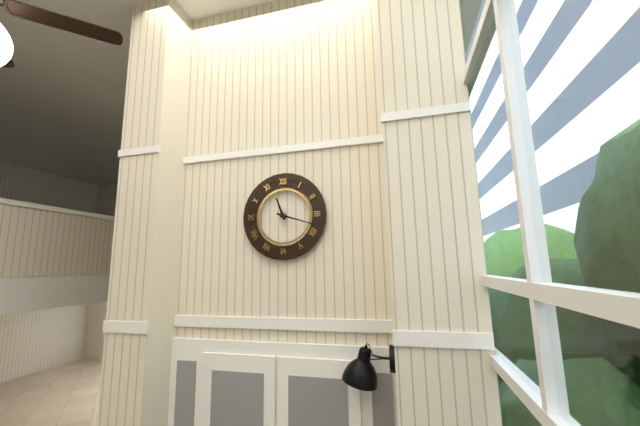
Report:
11:18
